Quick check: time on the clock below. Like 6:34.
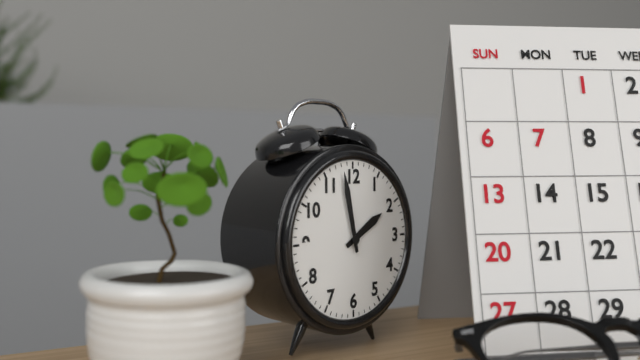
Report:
1:58
